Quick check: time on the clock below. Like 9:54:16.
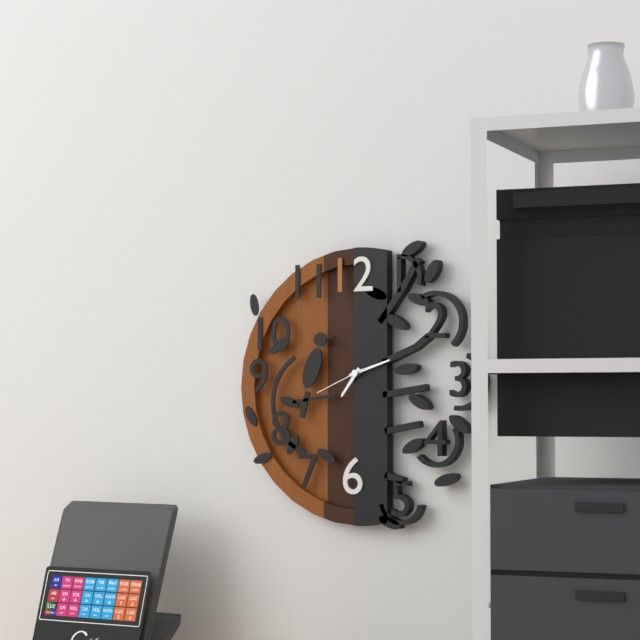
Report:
7:12:41
